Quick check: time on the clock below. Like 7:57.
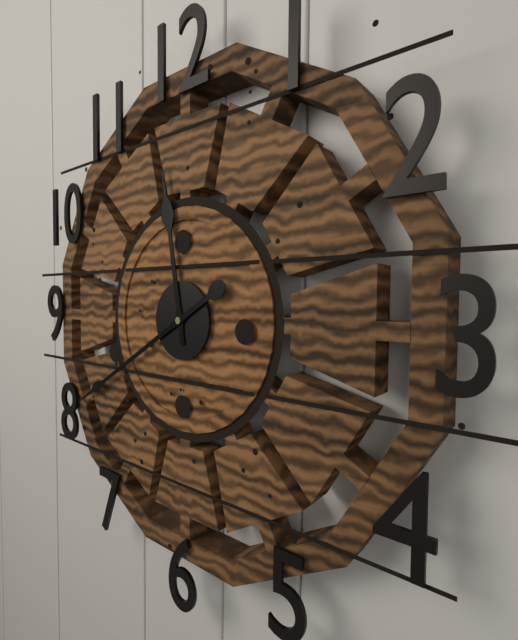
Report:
11:40
